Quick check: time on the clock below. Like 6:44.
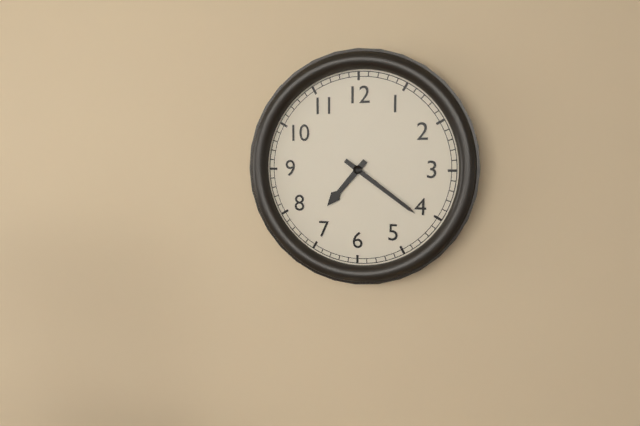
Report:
7:21
